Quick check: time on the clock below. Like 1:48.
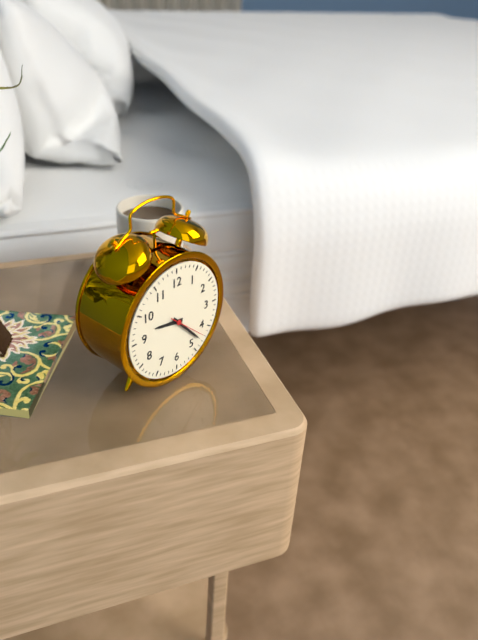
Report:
9:23
